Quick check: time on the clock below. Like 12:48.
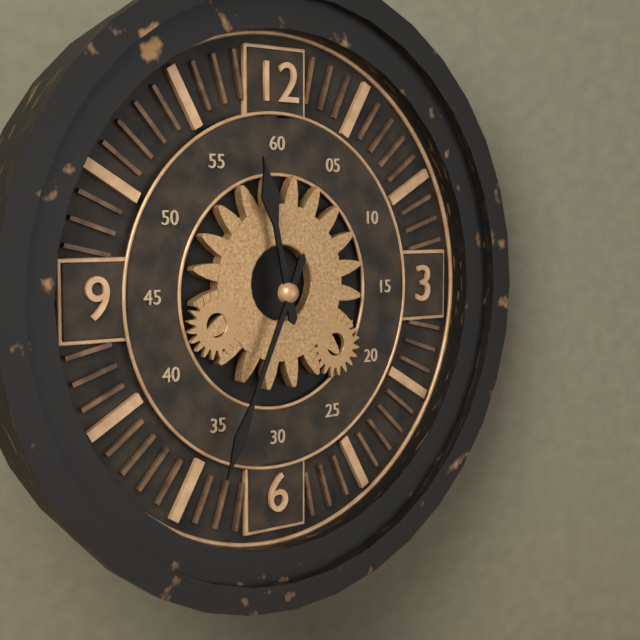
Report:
11:34
